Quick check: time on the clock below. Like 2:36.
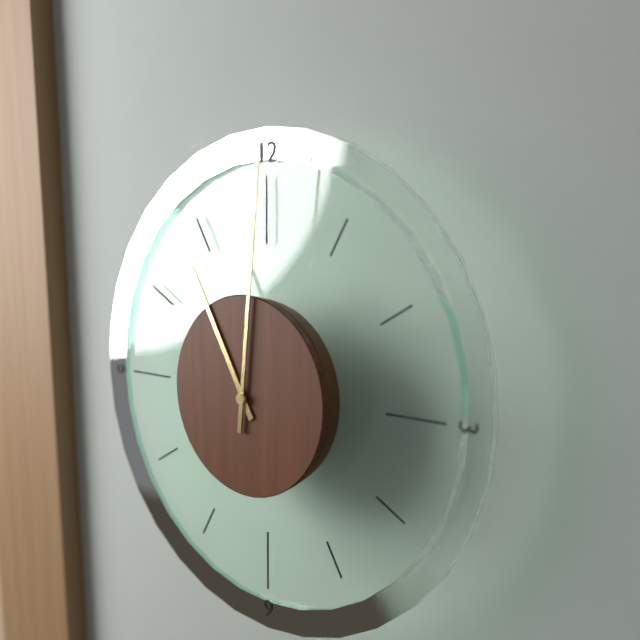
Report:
11:01
